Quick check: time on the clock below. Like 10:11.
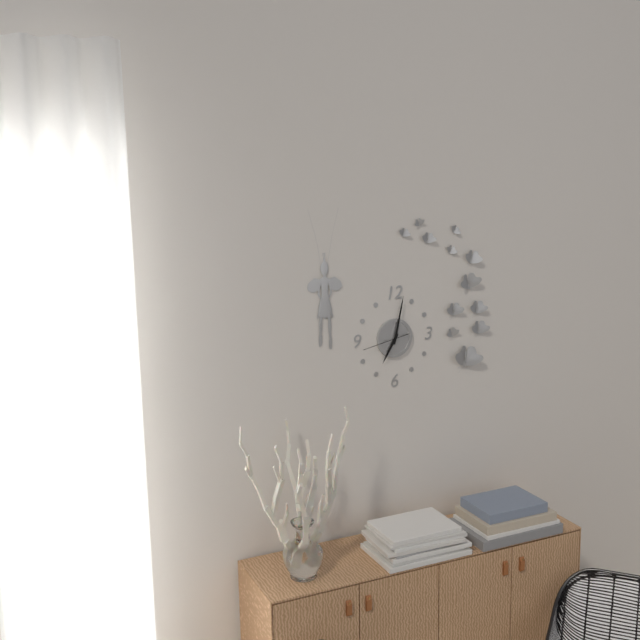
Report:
7:02
